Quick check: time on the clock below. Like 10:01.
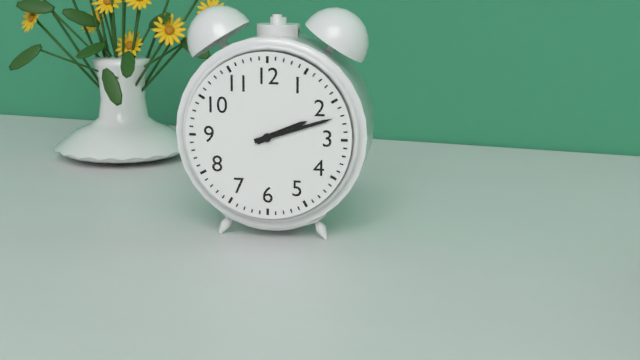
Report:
2:12
